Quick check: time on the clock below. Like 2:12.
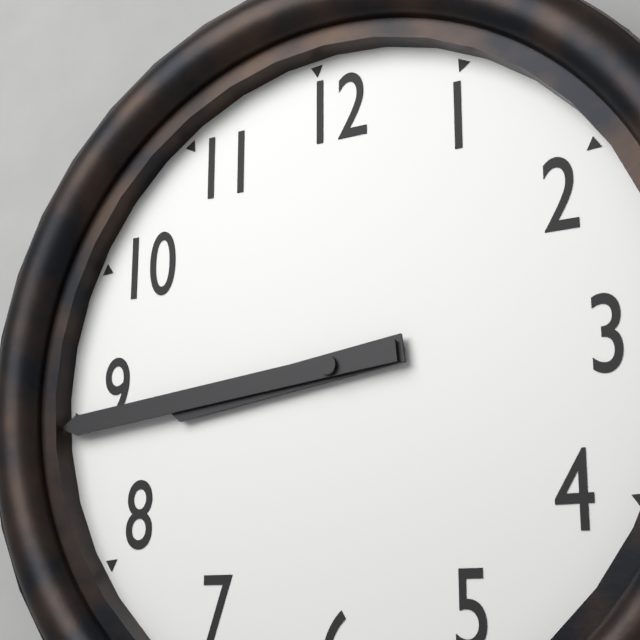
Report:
8:44
